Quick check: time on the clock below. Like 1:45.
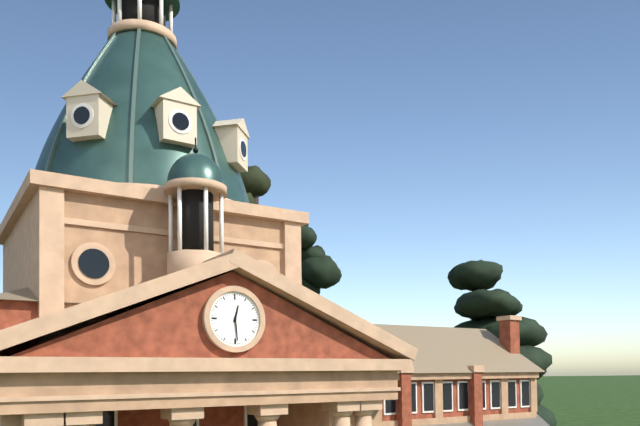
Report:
12:29
